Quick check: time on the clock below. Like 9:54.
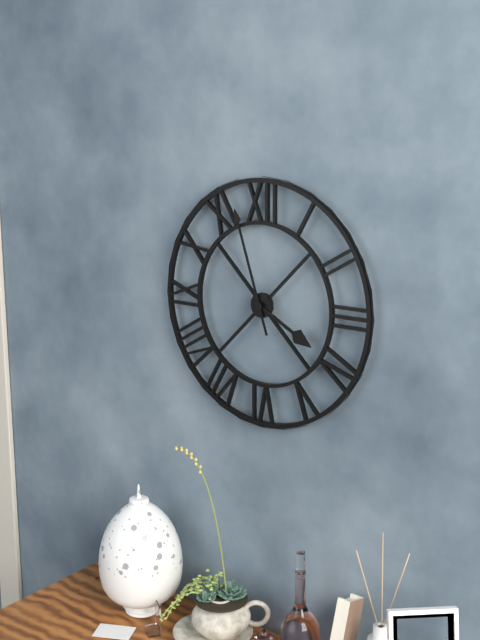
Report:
3:57
